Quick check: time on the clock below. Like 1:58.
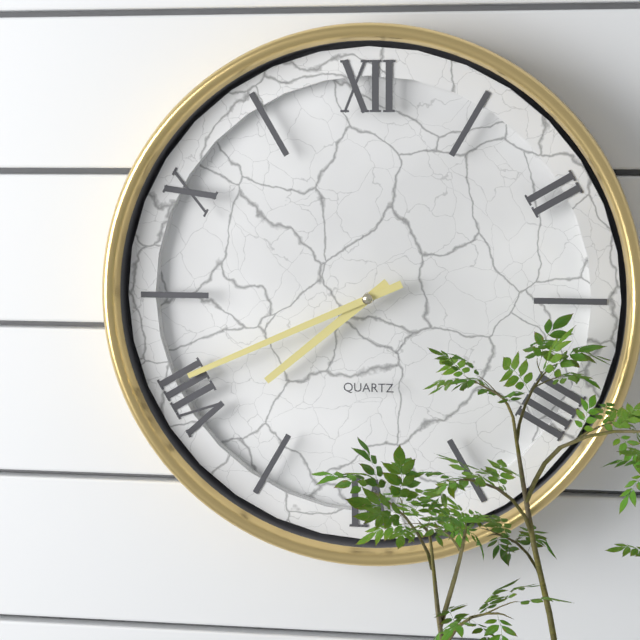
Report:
7:41
